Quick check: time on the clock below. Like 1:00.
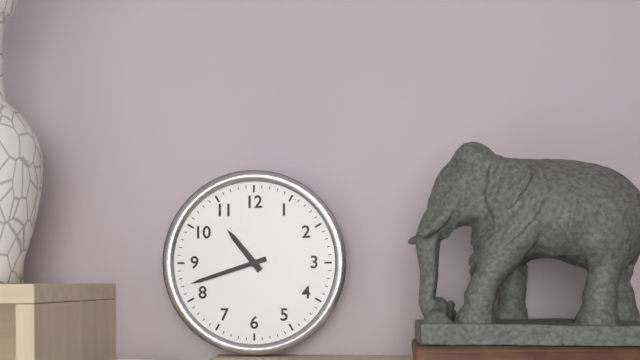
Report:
10:42
